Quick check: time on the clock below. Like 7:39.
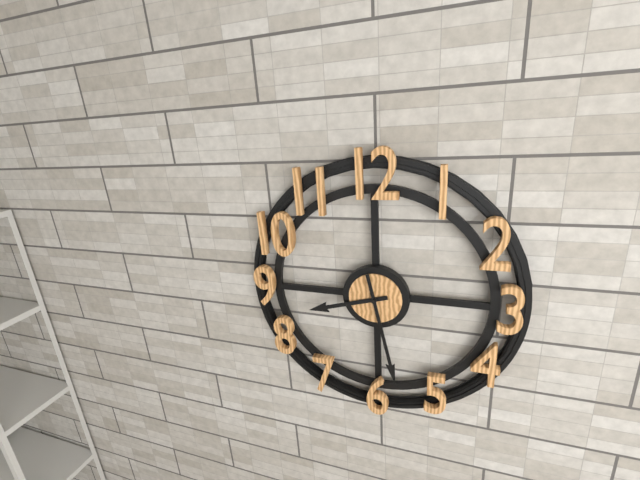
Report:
8:28
